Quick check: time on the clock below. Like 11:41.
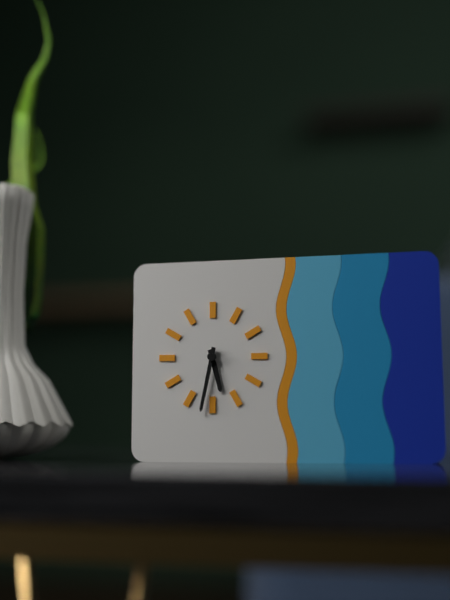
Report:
5:32
